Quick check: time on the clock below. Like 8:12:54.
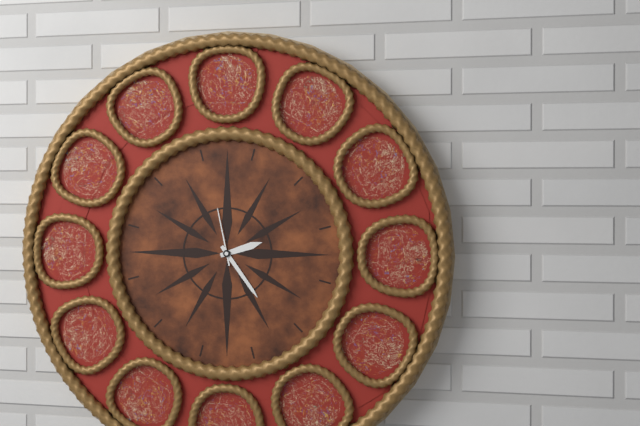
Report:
2:24:58
